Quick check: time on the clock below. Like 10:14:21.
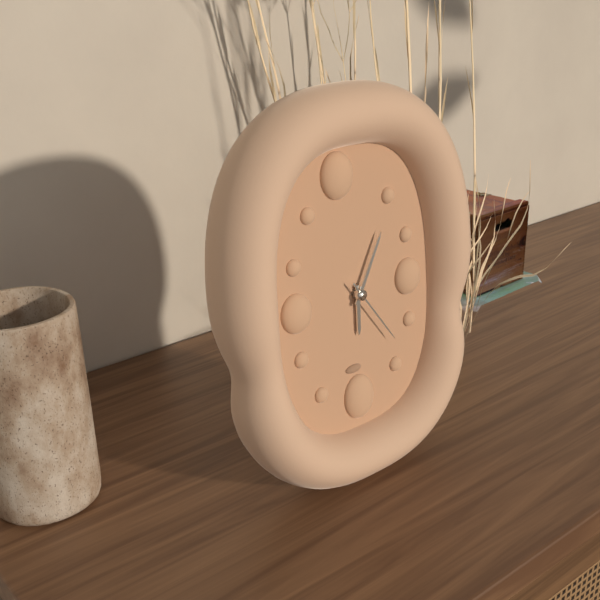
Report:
6:05:24
